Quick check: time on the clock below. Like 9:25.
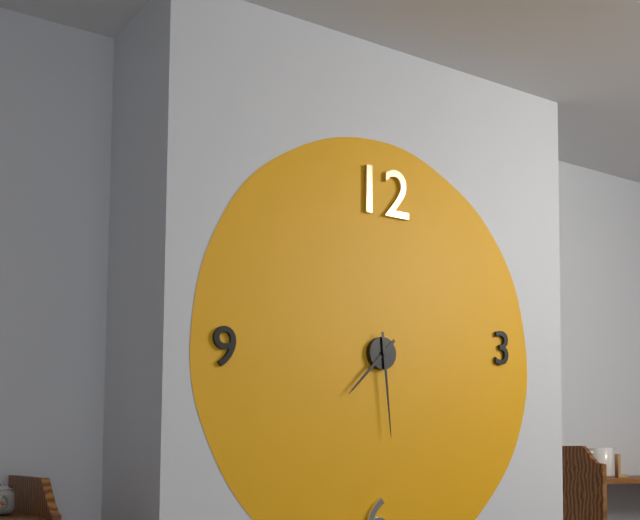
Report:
7:29
